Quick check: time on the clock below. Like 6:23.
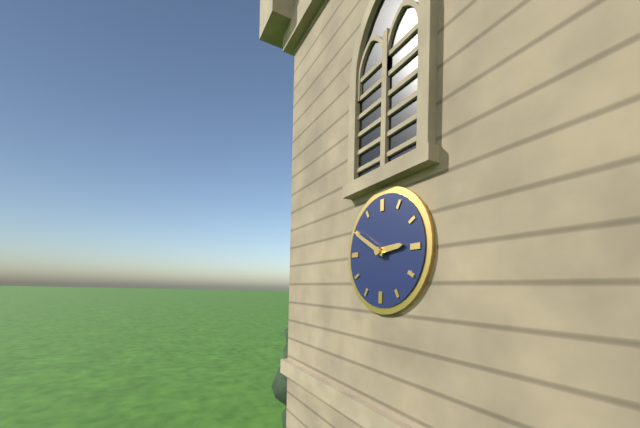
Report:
2:50
